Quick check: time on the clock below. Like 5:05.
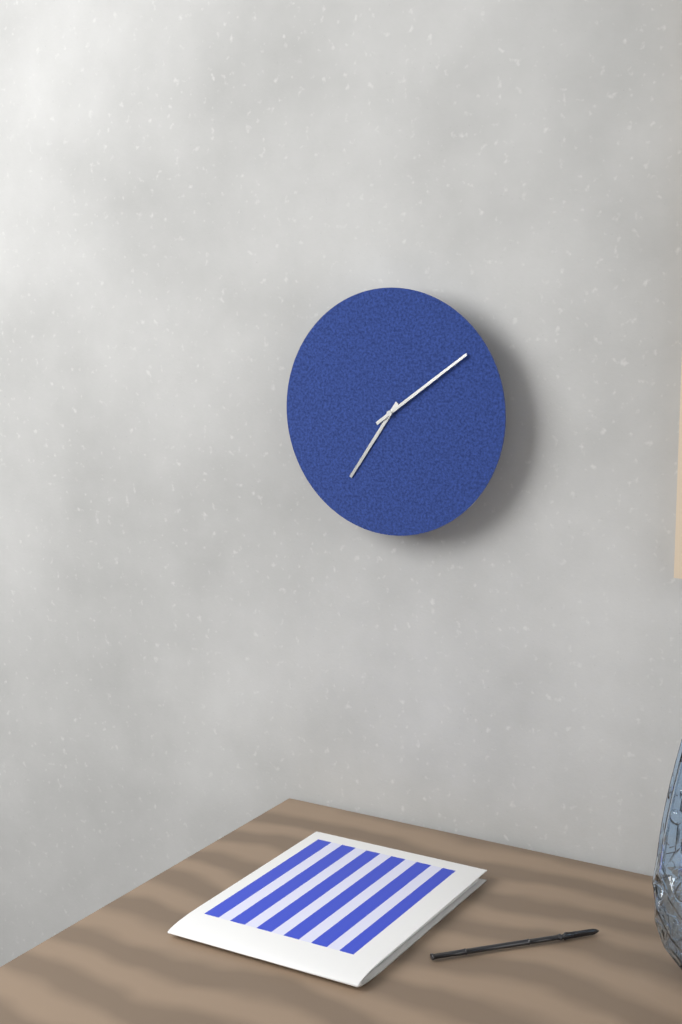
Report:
7:09
